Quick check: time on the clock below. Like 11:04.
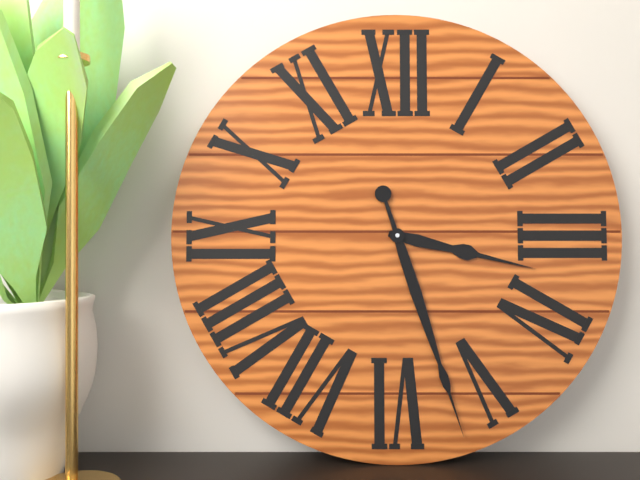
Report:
3:27
